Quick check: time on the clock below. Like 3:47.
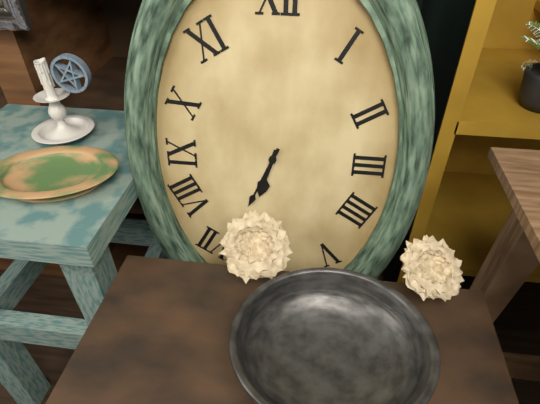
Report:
6:34
